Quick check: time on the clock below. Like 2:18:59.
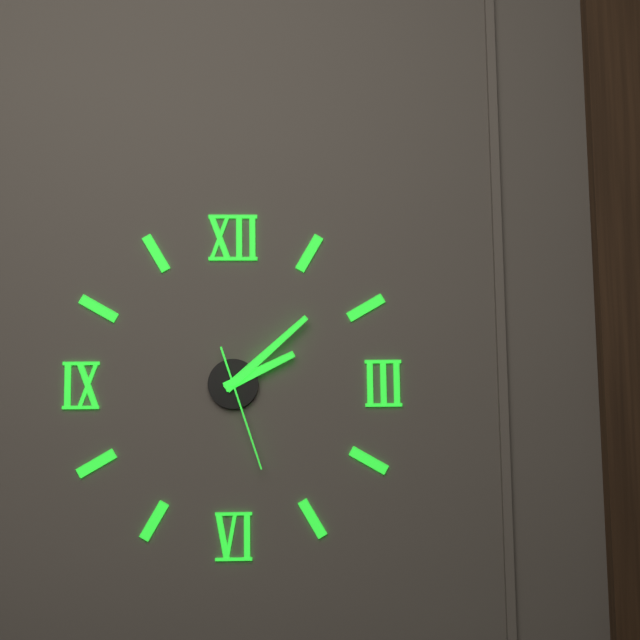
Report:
2:08:27
